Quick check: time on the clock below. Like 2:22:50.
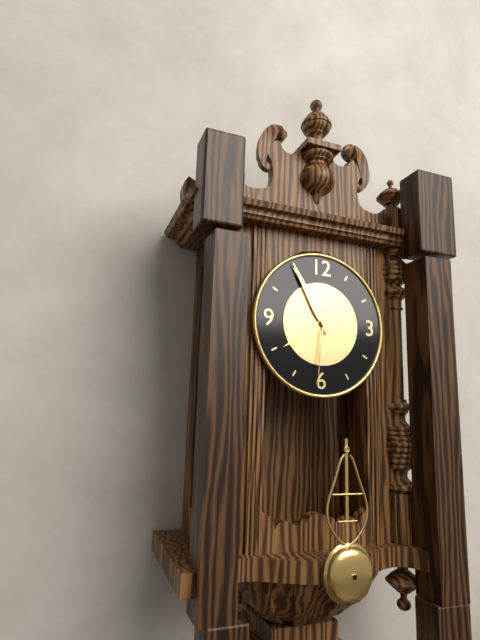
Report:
7:55:31
